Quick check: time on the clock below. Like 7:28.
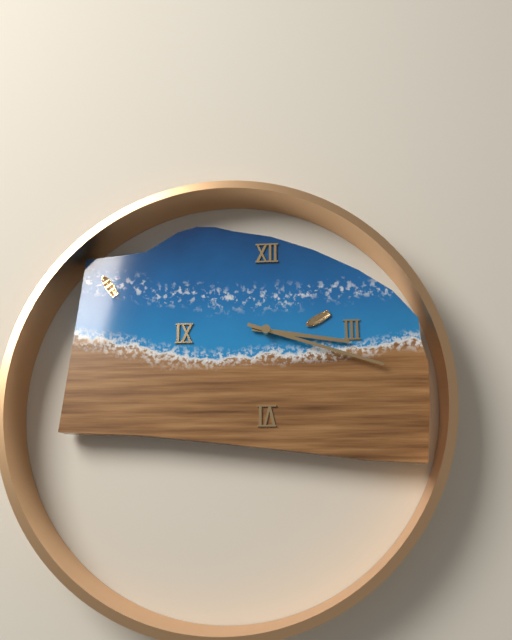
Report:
3:18
